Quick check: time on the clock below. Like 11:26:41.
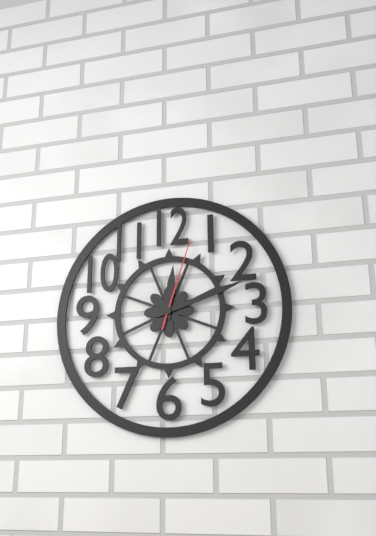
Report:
12:12:03
